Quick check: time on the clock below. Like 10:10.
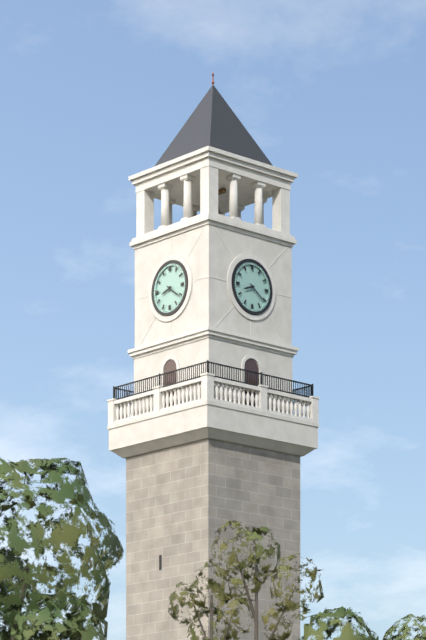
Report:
8:21
